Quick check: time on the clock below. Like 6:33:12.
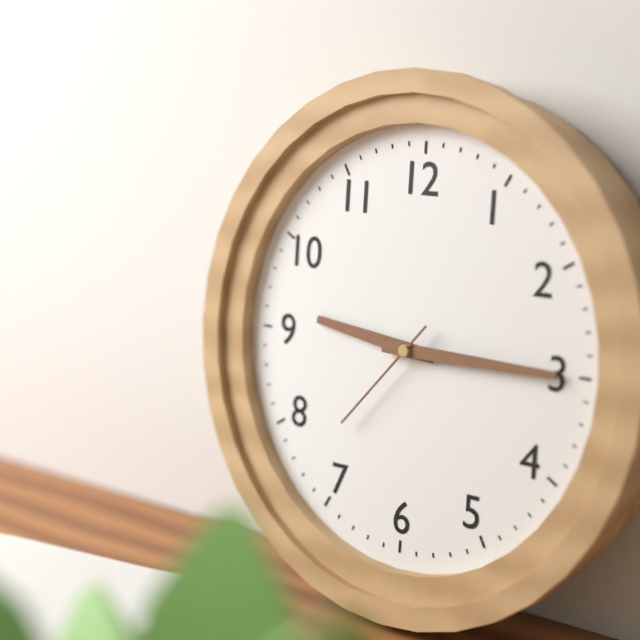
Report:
9:15:37
